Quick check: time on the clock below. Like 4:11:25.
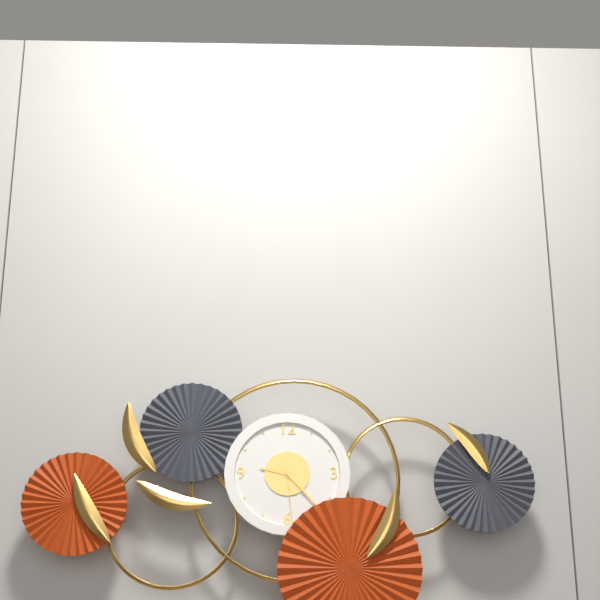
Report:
9:23:29
